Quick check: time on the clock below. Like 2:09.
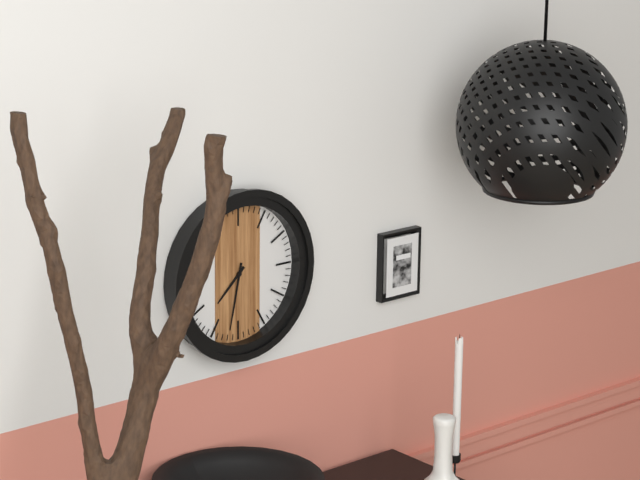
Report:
7:32
